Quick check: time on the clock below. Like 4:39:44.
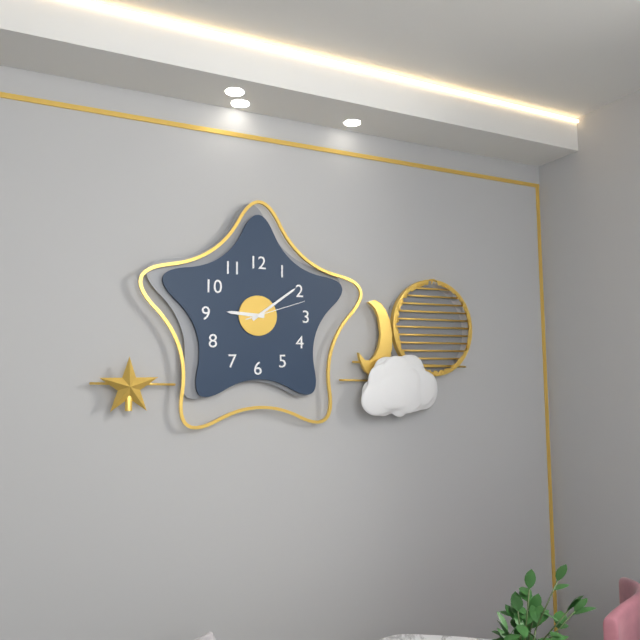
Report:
9:09:12
